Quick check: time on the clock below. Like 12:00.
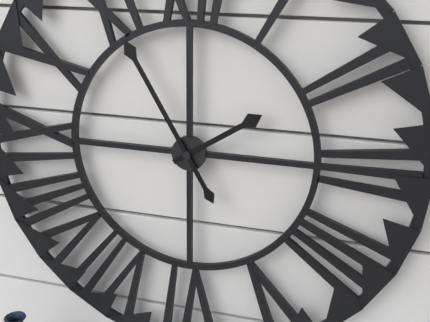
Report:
1:55
